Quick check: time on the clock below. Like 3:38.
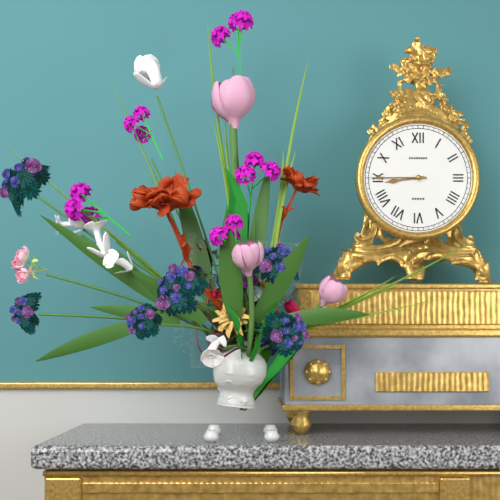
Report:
8:45
